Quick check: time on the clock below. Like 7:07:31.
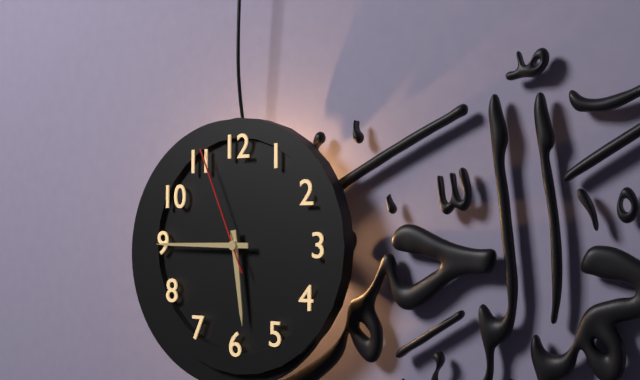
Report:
5:45:56
